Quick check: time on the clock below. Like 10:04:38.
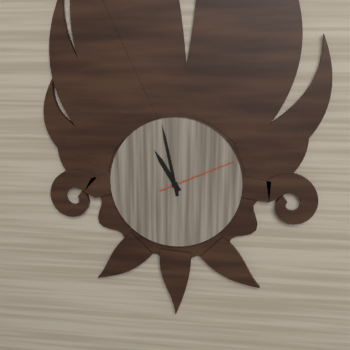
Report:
10:58:11
